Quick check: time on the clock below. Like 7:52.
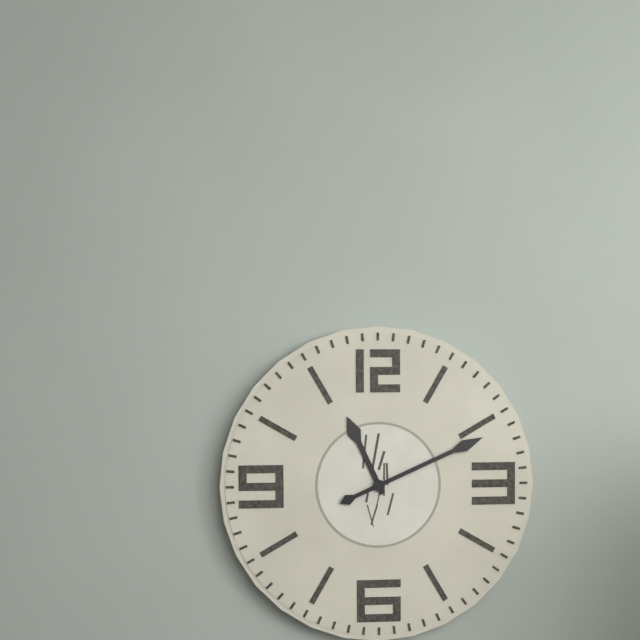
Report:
11:11
